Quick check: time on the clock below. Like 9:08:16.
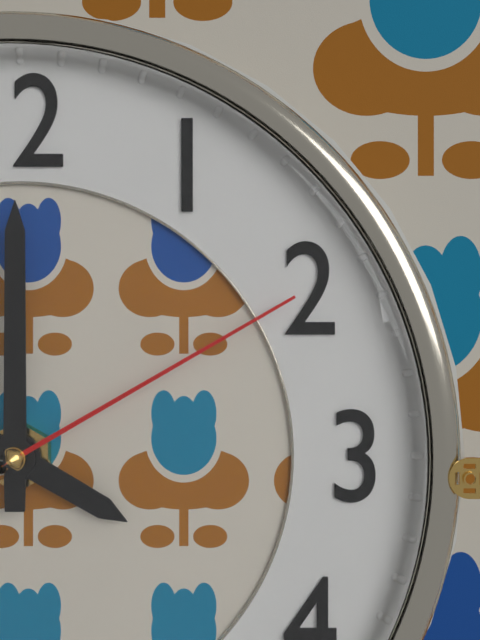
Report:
4:00:10
